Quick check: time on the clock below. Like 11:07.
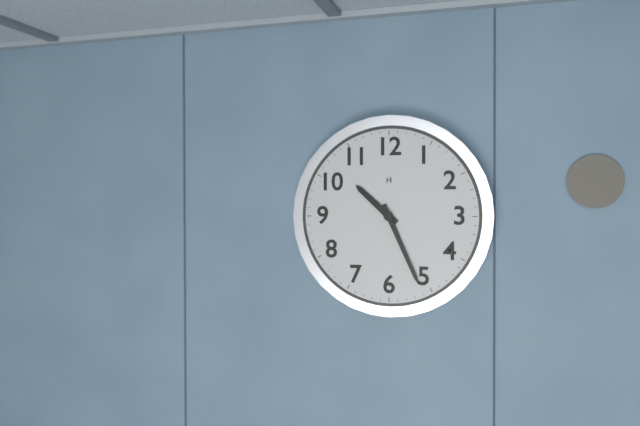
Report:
10:26
